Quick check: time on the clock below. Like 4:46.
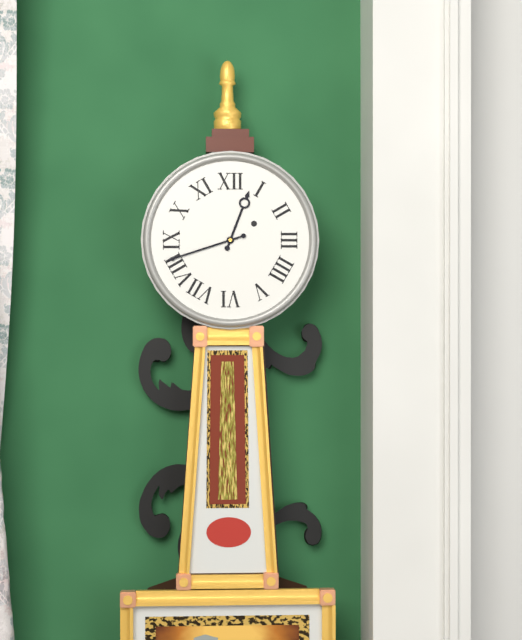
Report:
12:42
